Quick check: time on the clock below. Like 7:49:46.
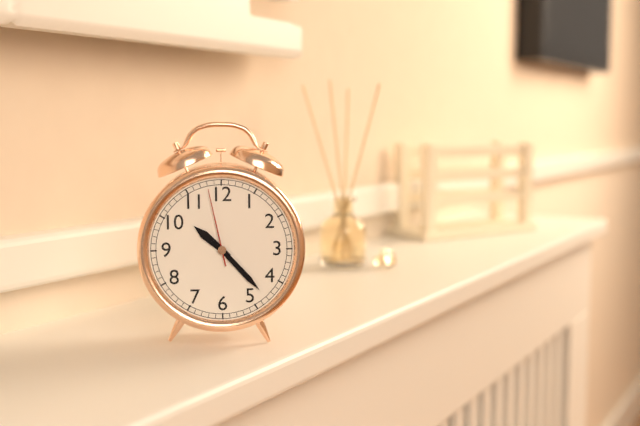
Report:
10:23:58
